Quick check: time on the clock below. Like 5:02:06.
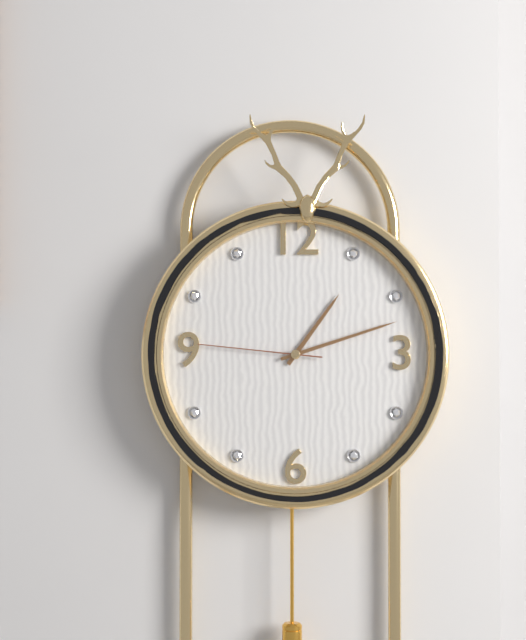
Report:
1:12:46
